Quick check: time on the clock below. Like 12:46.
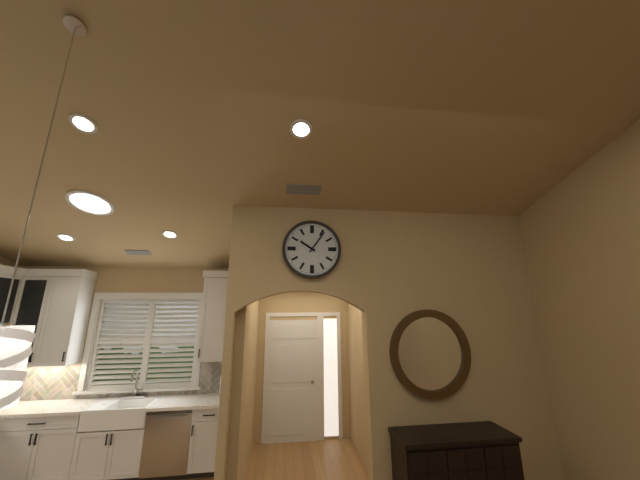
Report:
10:06
